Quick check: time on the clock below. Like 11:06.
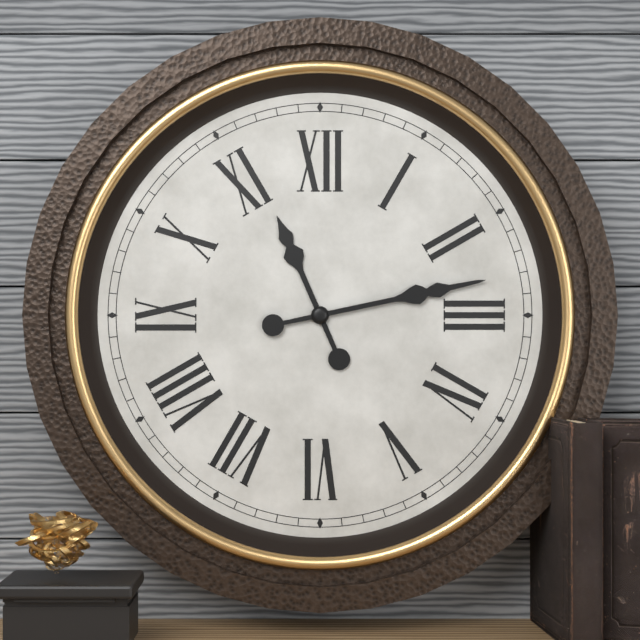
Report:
11:13
